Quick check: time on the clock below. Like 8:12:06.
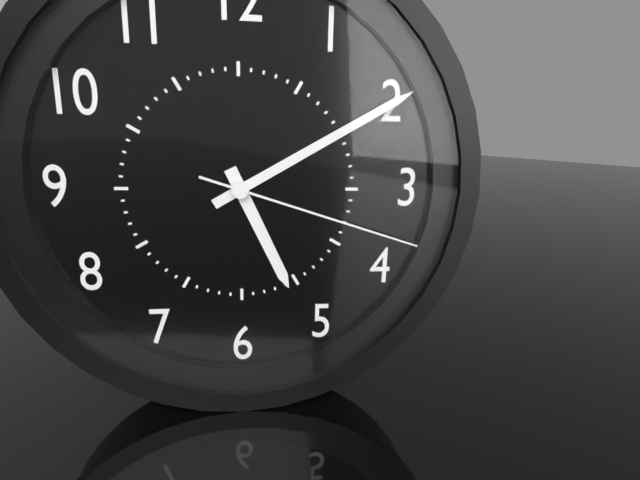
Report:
5:10:18
